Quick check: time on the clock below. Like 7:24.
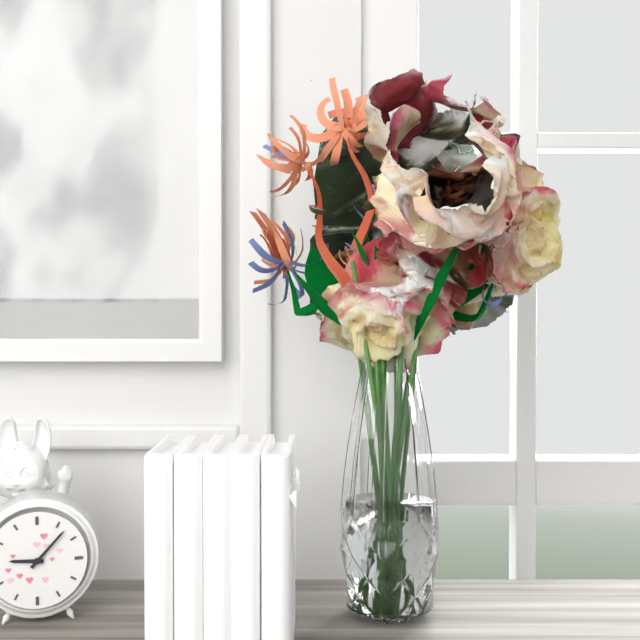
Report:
9:07
